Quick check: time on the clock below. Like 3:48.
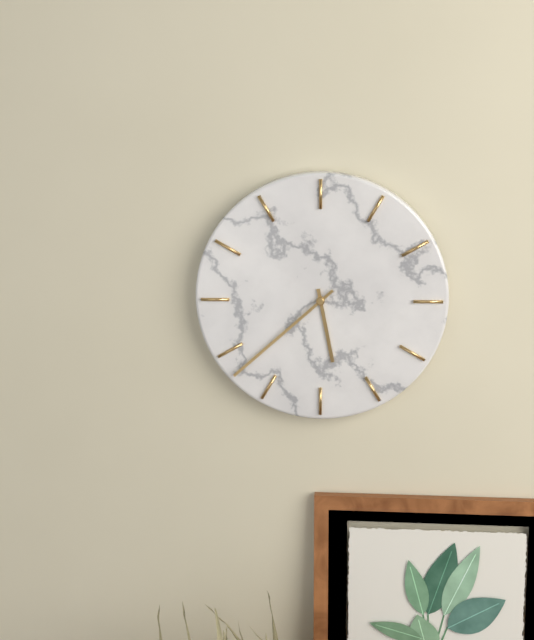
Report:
5:38
